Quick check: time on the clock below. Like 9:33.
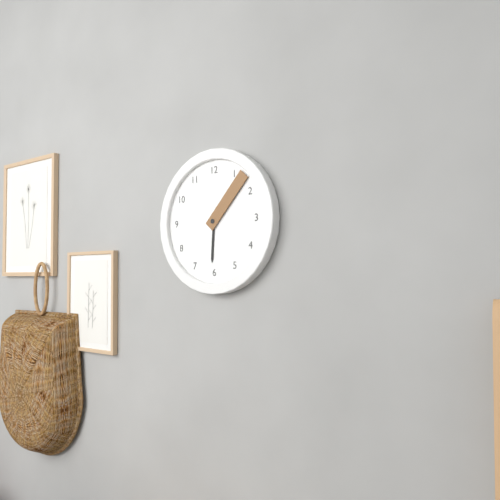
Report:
6:07
